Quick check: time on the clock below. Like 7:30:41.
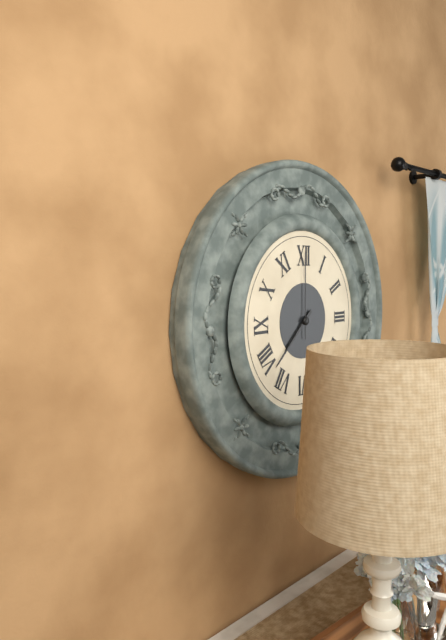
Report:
7:38:00
